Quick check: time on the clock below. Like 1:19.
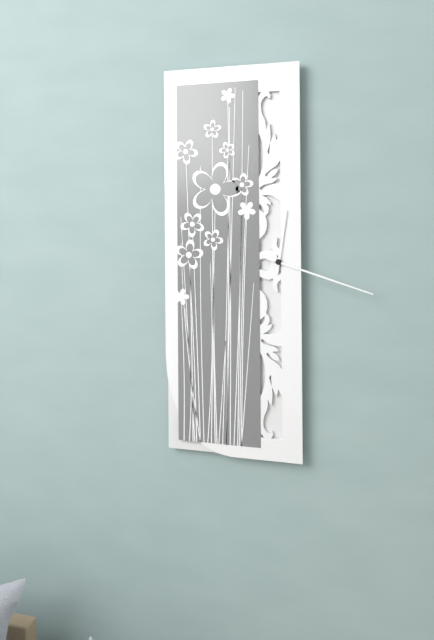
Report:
12:18
